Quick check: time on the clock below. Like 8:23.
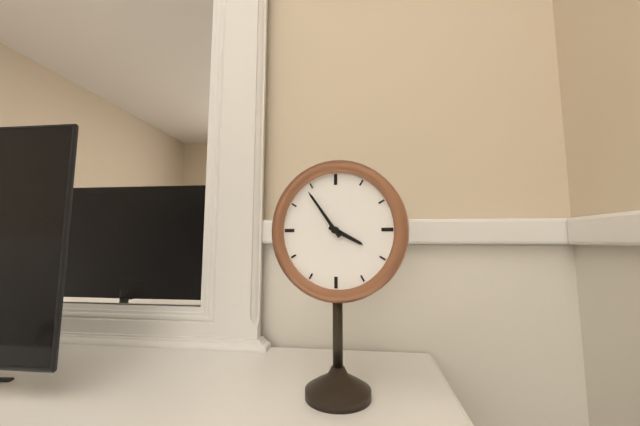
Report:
3:54
